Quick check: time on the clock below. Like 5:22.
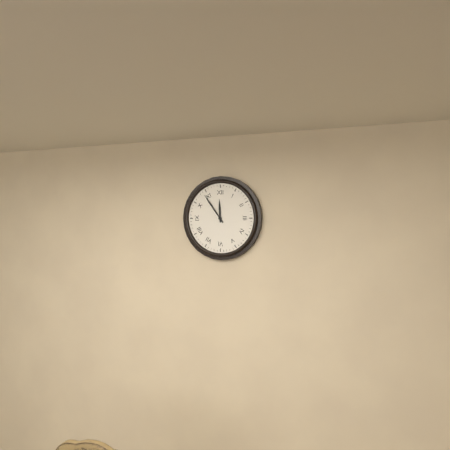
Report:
11:54
